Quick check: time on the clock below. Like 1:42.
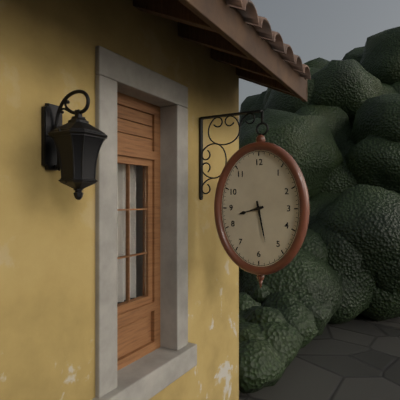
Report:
8:28
